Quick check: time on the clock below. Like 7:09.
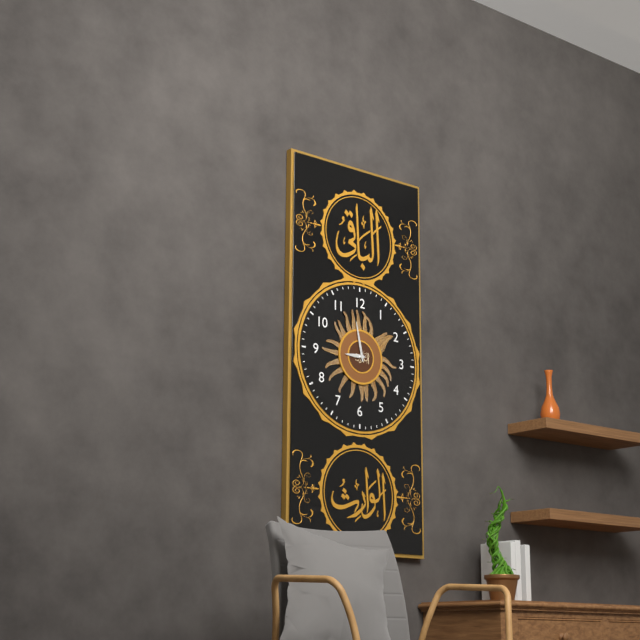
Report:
8:58
